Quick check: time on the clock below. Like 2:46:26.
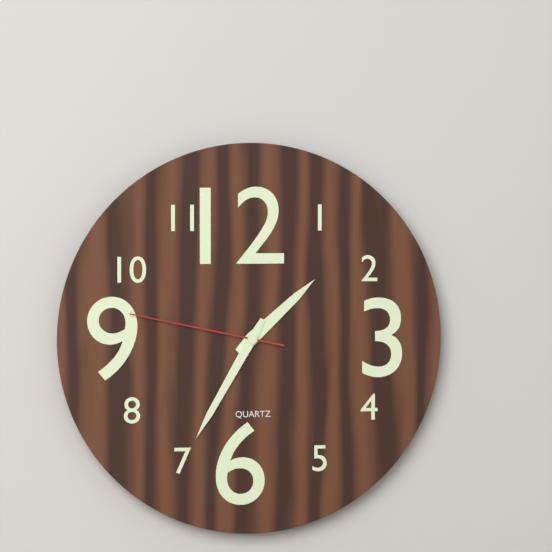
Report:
1:35:47
